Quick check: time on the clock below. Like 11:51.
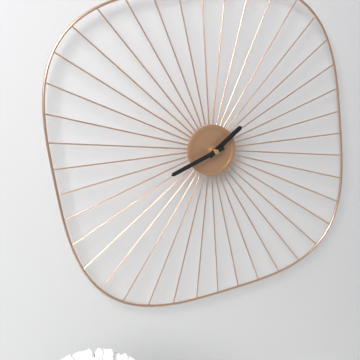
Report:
1:41
